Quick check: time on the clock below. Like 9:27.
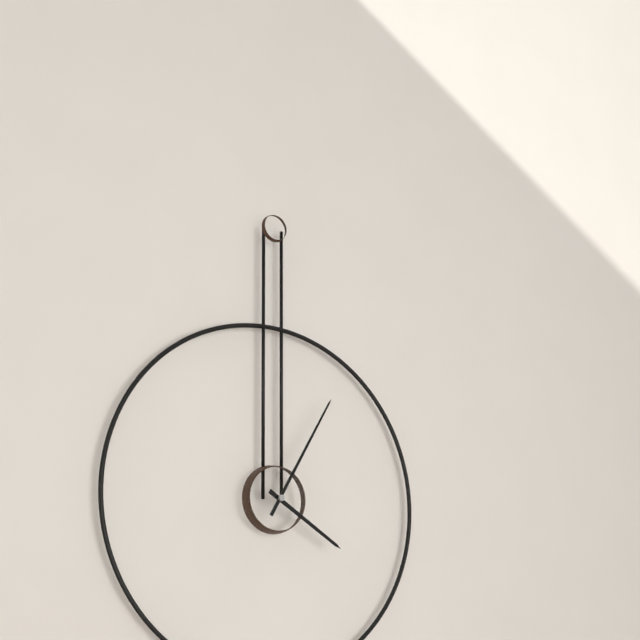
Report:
4:05
